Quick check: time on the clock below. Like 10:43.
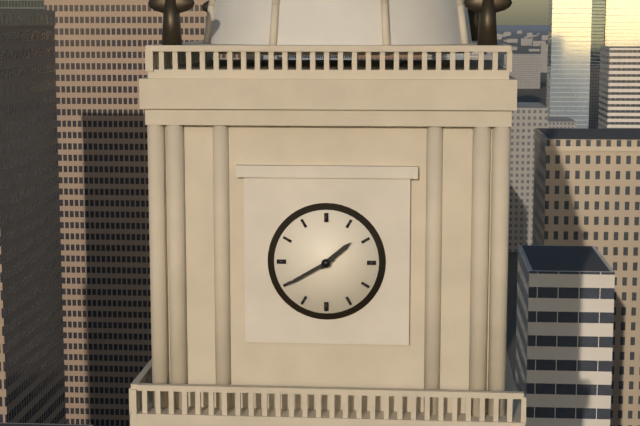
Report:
1:40
